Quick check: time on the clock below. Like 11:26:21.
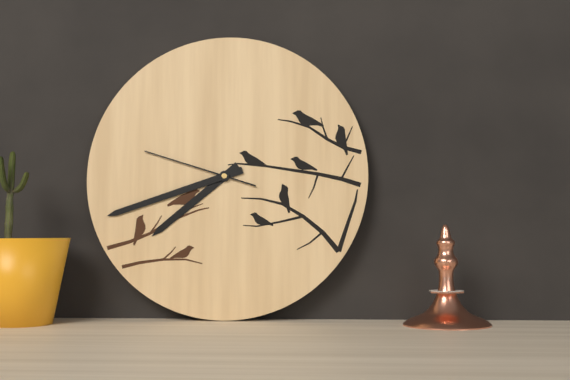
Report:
7:42:48
